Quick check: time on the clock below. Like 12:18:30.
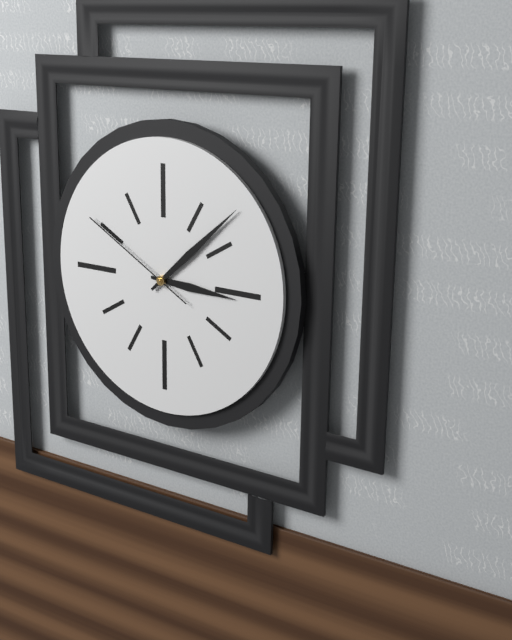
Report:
3:08:50
